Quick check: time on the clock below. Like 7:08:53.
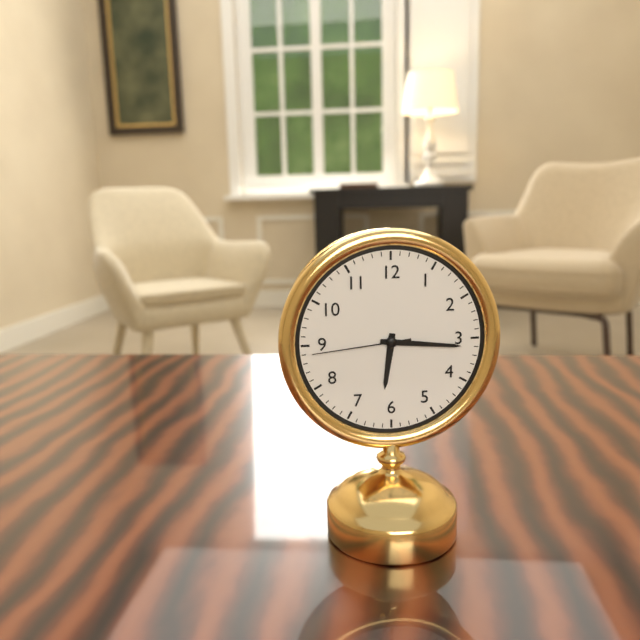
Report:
6:16:44
